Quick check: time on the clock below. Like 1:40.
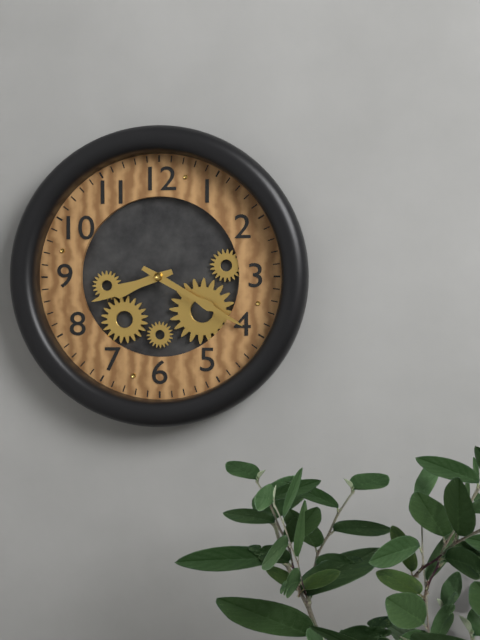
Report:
8:20
